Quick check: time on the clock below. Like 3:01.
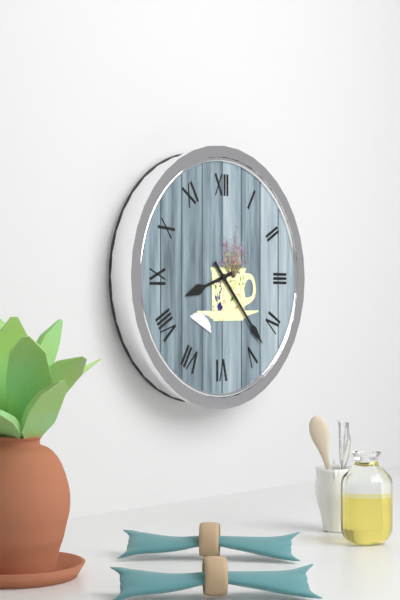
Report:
8:23
